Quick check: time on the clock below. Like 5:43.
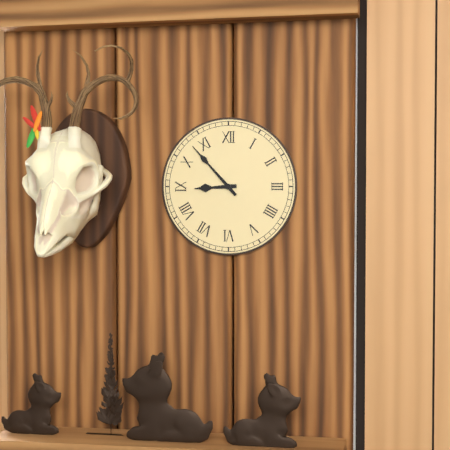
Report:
8:53
